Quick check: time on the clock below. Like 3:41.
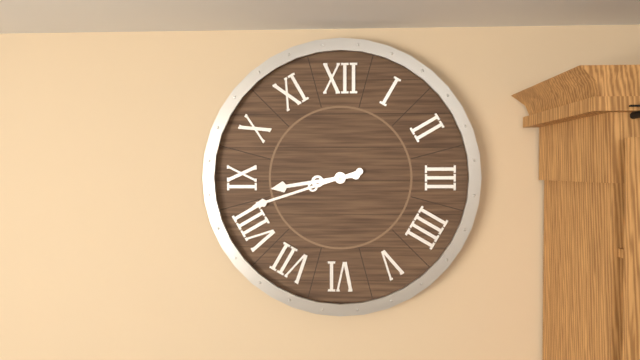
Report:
8:42
